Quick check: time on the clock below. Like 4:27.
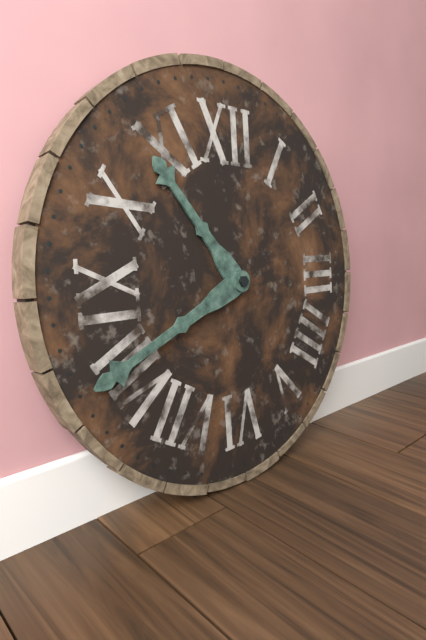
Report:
10:41
